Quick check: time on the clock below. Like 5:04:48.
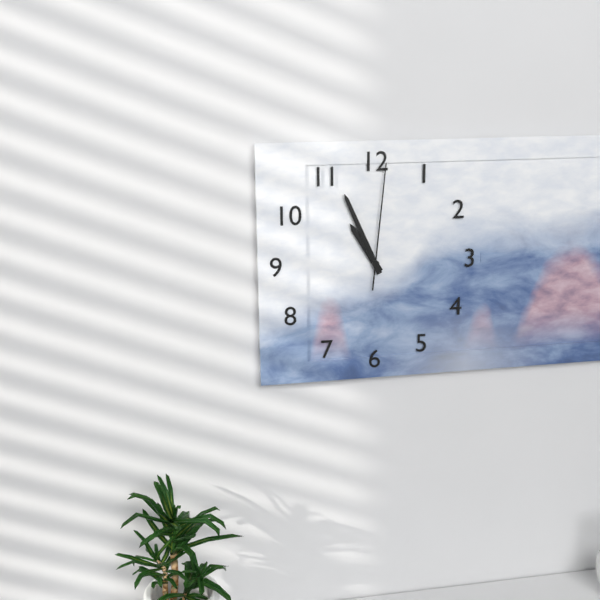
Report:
10:56:01
